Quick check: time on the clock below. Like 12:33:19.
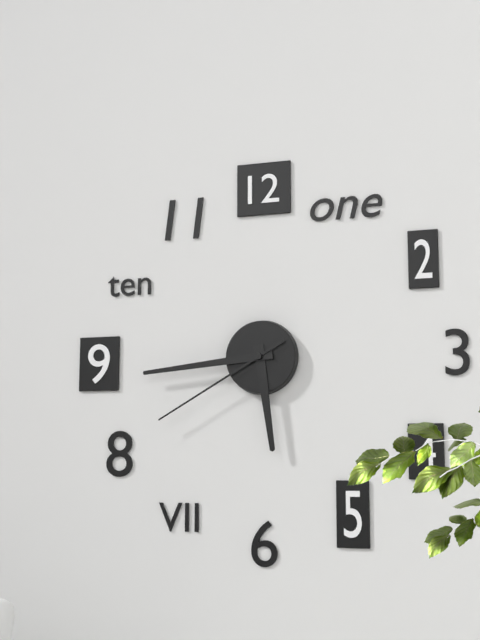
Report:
5:44:40
